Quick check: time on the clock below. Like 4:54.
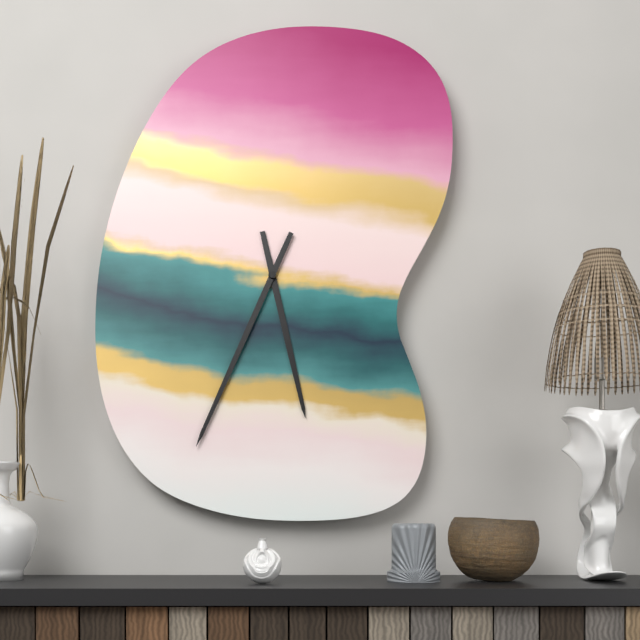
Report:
5:34
